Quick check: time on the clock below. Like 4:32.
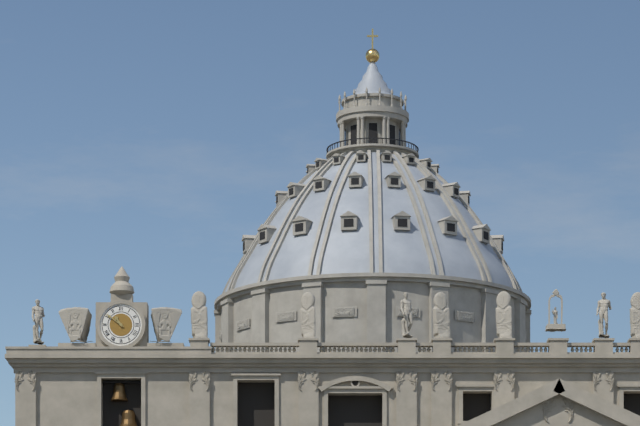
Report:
10:51
